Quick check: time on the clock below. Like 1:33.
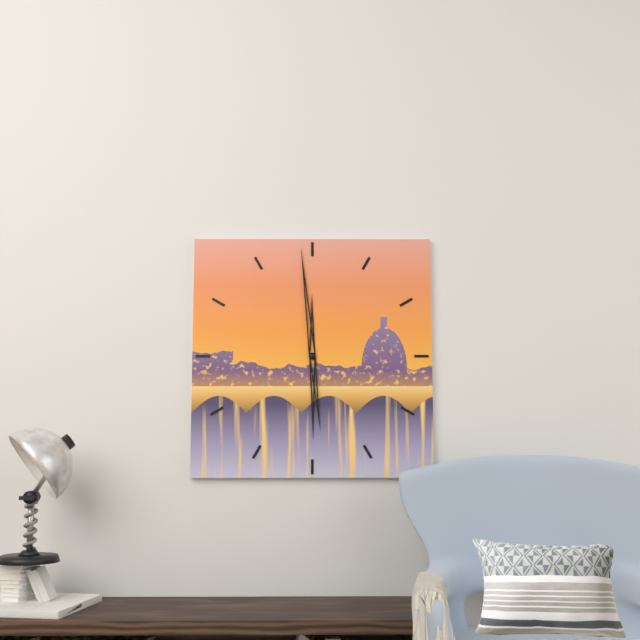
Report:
5:59
